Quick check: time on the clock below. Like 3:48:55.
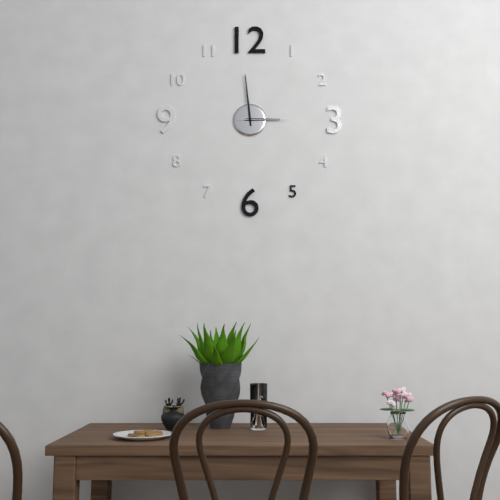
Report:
2:59:15
